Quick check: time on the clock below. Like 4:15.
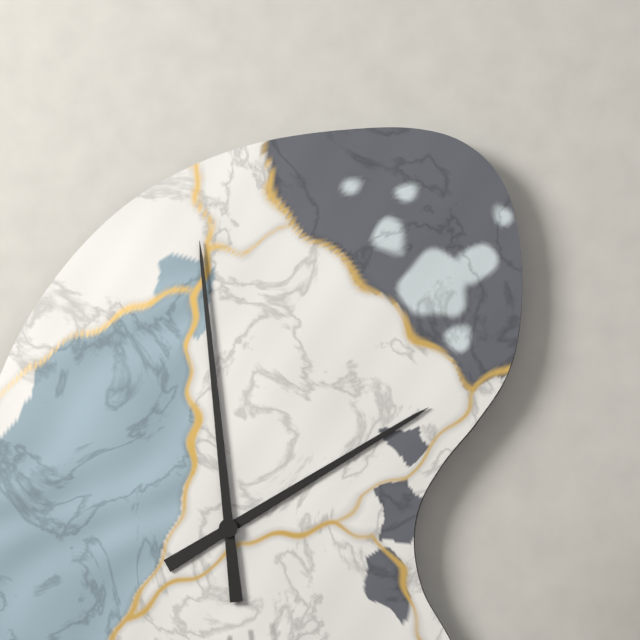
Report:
1:59
